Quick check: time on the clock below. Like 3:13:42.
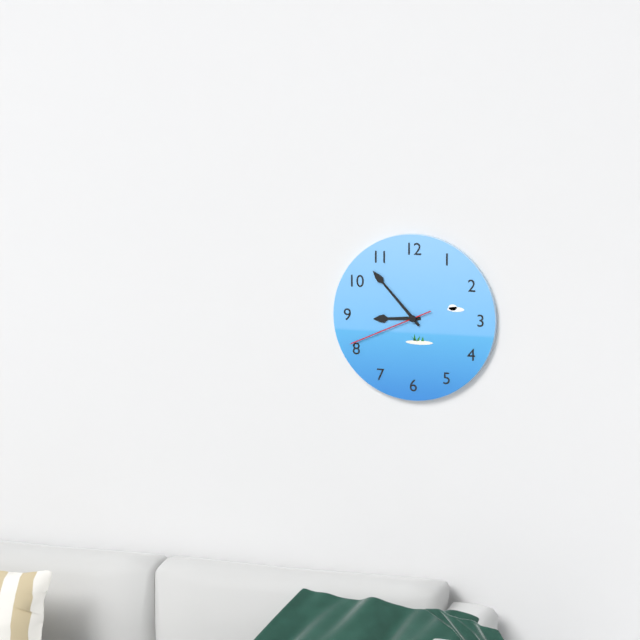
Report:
8:53:41
